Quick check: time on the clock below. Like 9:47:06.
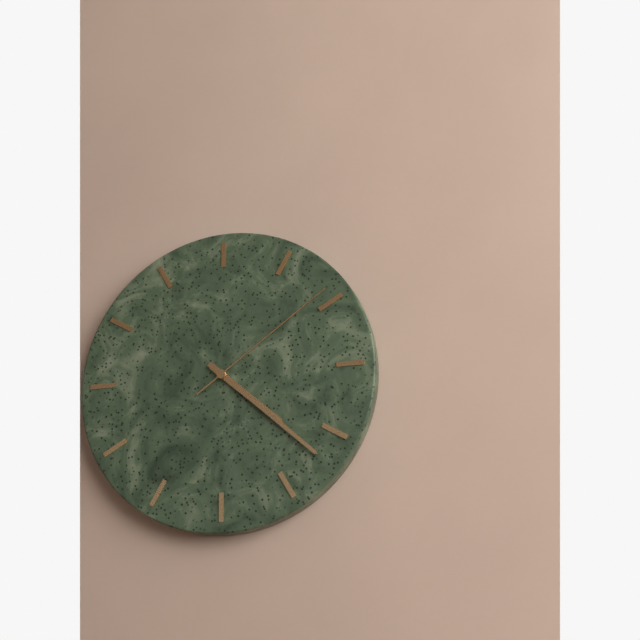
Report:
4:22:09
